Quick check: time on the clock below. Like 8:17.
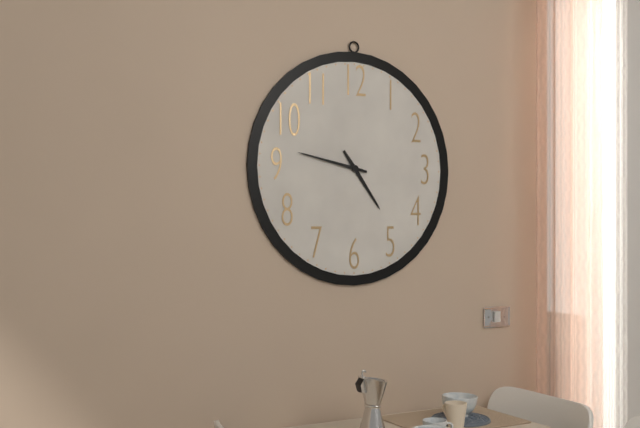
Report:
4:47
